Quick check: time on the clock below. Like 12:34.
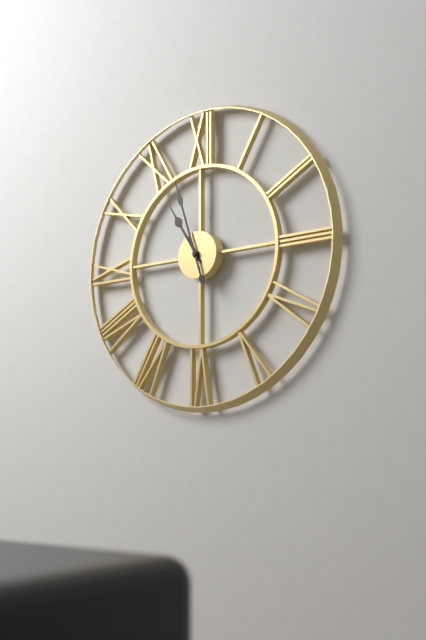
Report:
10:57
